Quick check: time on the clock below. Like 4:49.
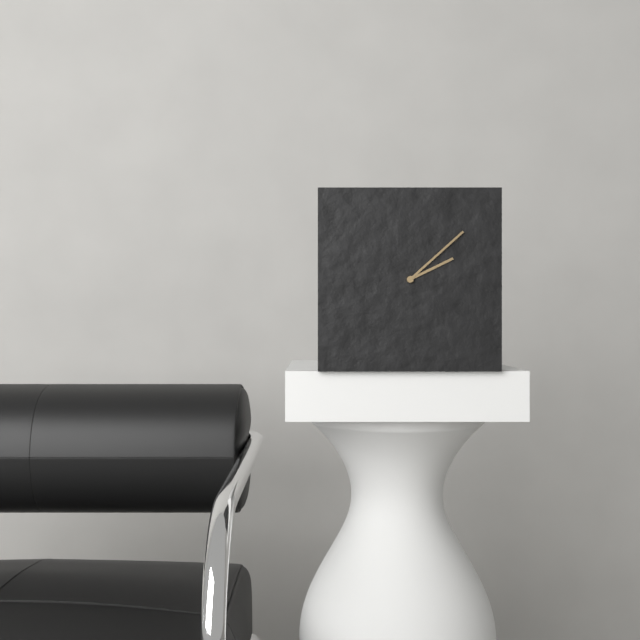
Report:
2:08
